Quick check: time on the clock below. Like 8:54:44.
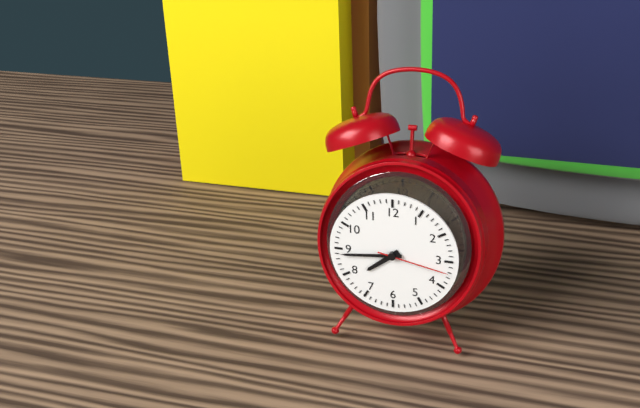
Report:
7:44:17
